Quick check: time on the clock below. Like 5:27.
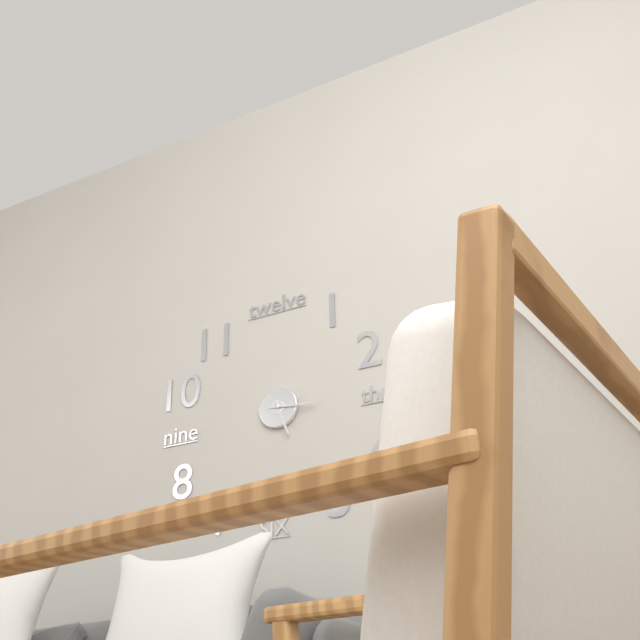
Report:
5:16
